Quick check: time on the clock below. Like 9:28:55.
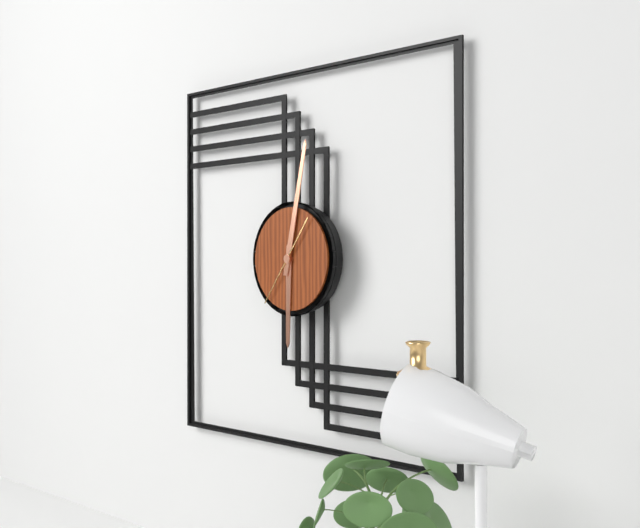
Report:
6:02:36
